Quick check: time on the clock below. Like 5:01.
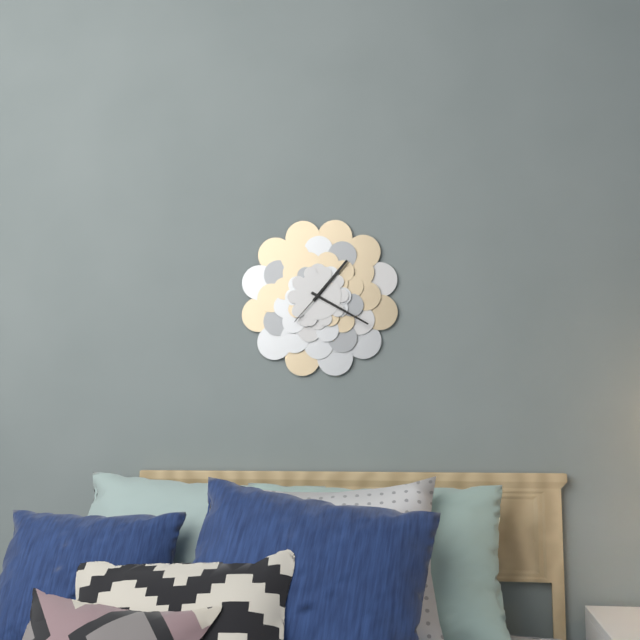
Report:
1:20
